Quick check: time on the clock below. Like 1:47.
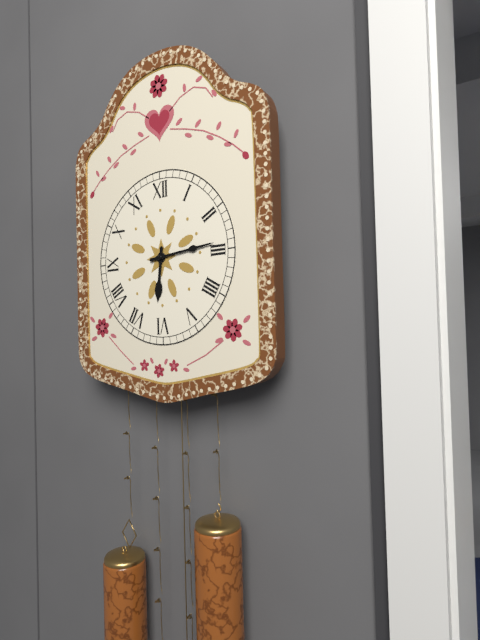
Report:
6:14
